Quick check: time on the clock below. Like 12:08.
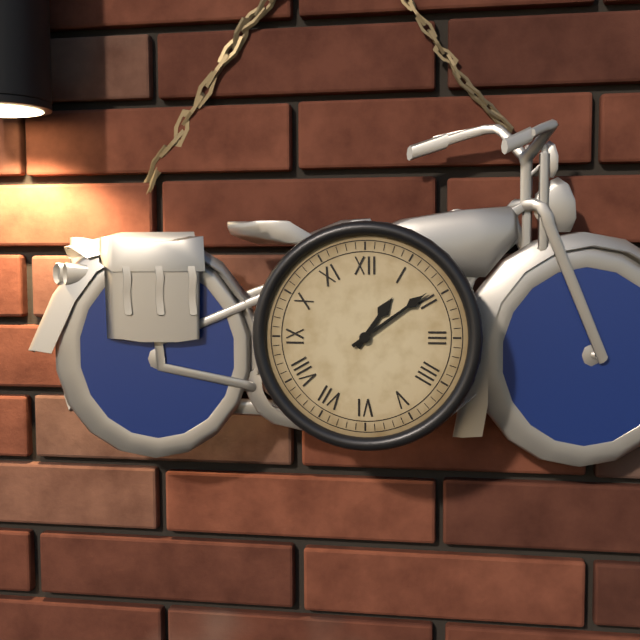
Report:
1:09
